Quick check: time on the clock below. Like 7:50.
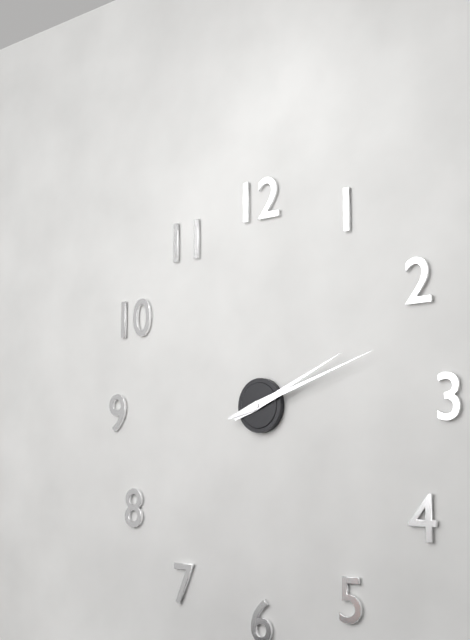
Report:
2:12
